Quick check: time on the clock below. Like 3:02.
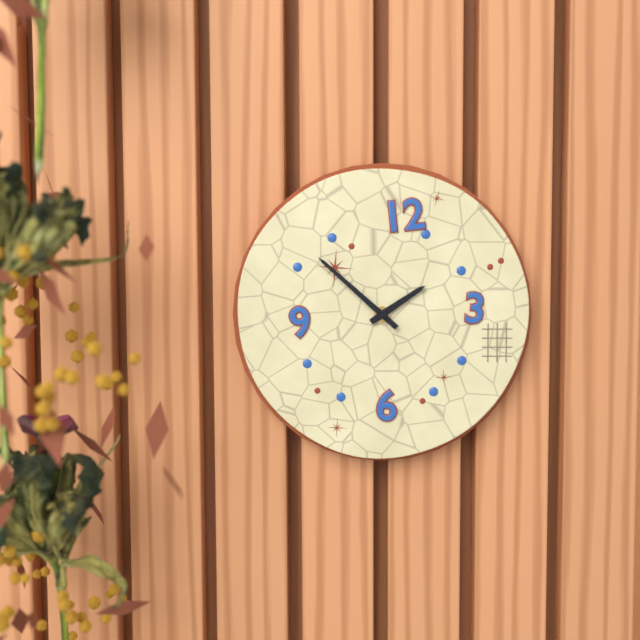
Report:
1:52
